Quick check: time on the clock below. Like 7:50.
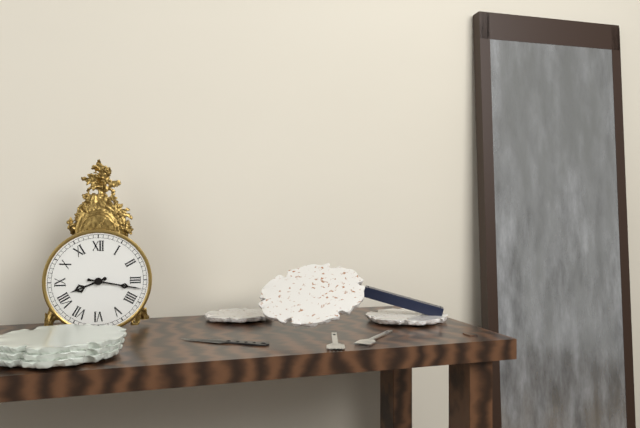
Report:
8:17
